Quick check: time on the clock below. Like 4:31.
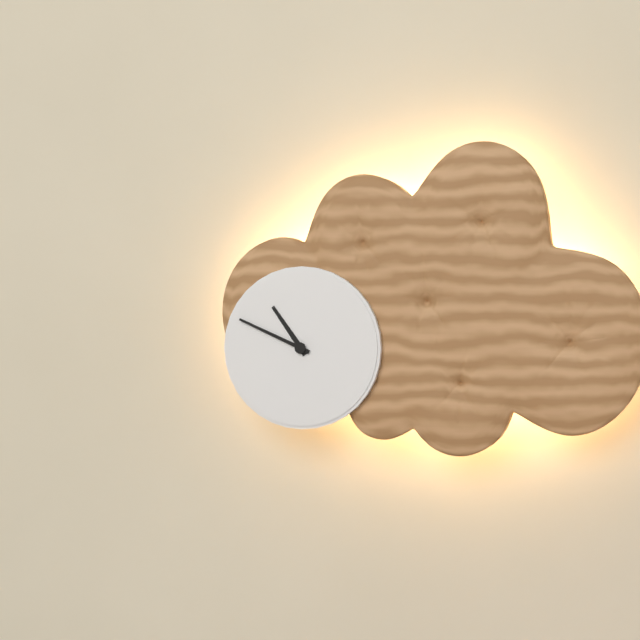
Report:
10:49
